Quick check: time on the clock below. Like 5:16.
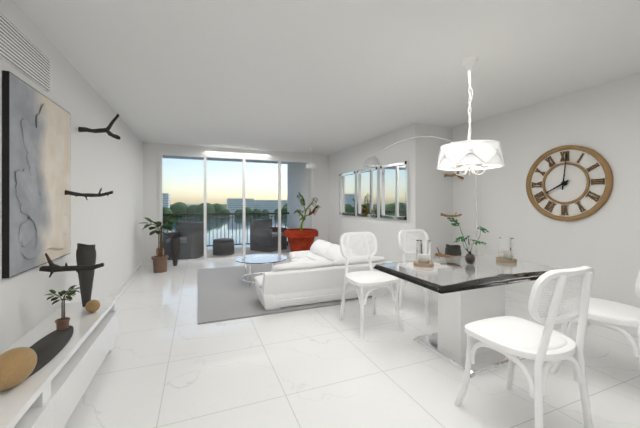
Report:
8:01
